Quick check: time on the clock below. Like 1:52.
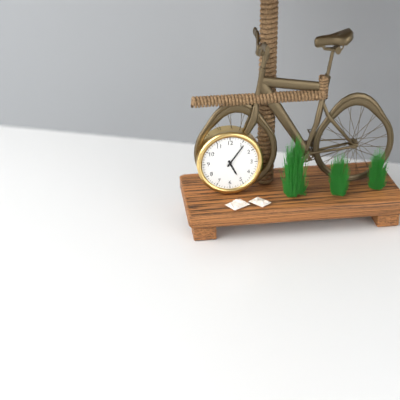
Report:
5:06
